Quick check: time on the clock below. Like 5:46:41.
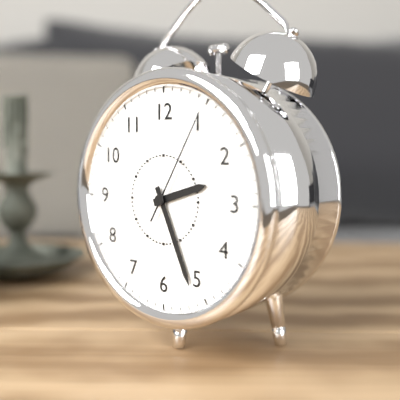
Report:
2:26:05
